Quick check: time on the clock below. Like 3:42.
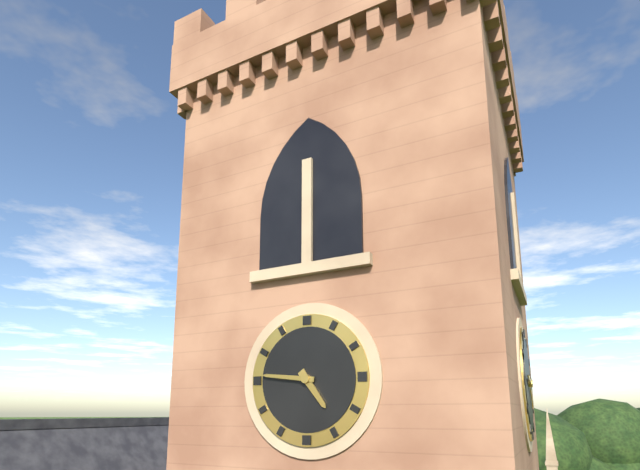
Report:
4:46
